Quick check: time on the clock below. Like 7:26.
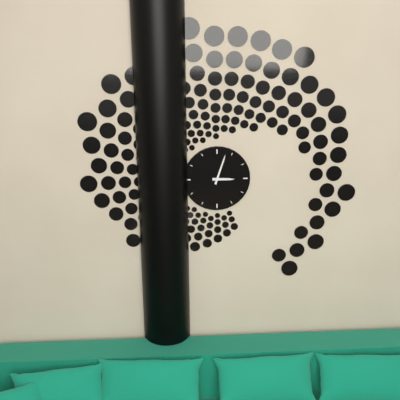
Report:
3:03
